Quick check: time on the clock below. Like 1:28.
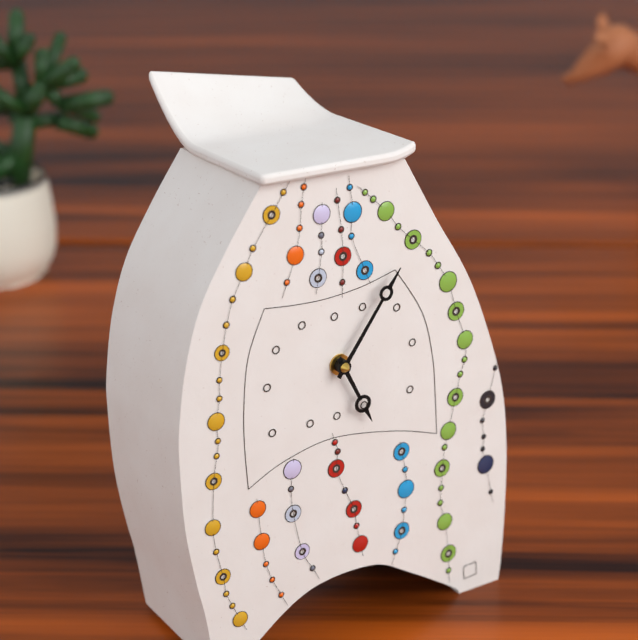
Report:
5:06
